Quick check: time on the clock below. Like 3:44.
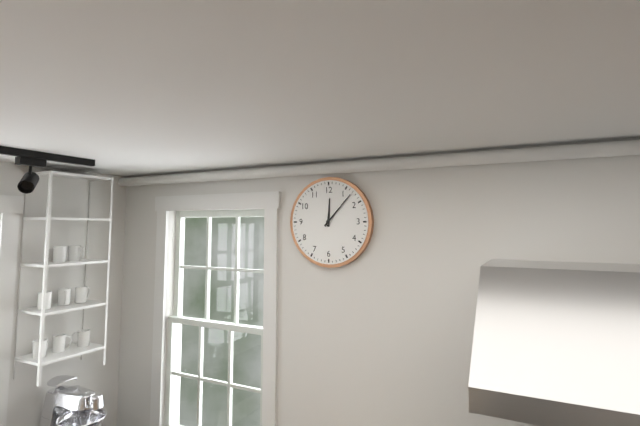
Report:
12:07
